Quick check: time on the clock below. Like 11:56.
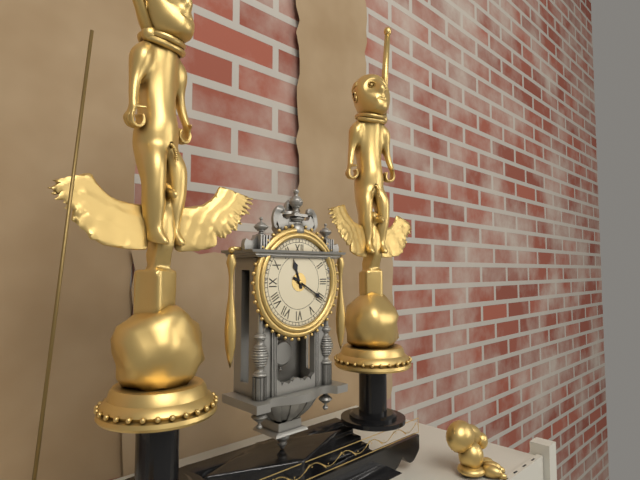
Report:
11:20
